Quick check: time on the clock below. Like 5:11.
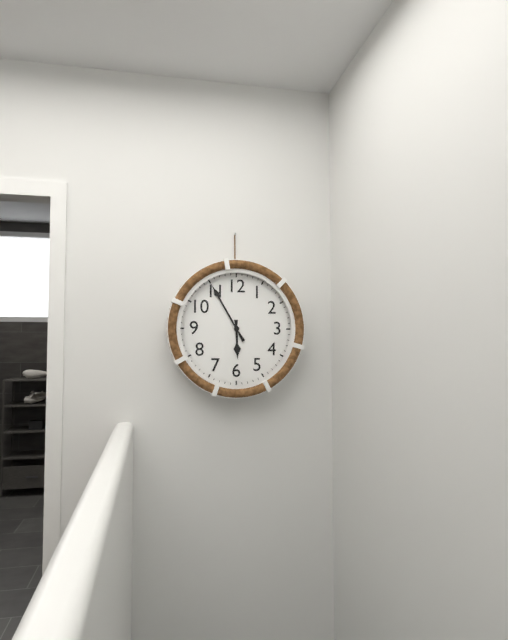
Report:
5:55
